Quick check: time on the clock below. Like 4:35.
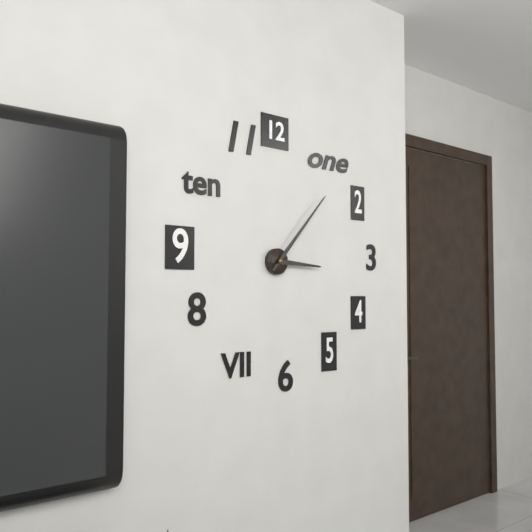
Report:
3:07
